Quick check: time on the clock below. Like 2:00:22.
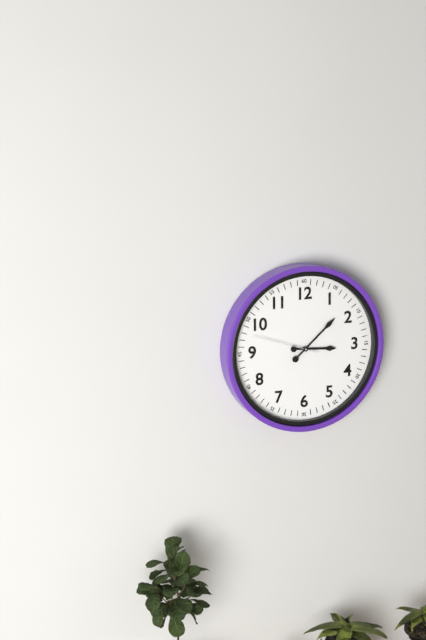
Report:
3:08:48
